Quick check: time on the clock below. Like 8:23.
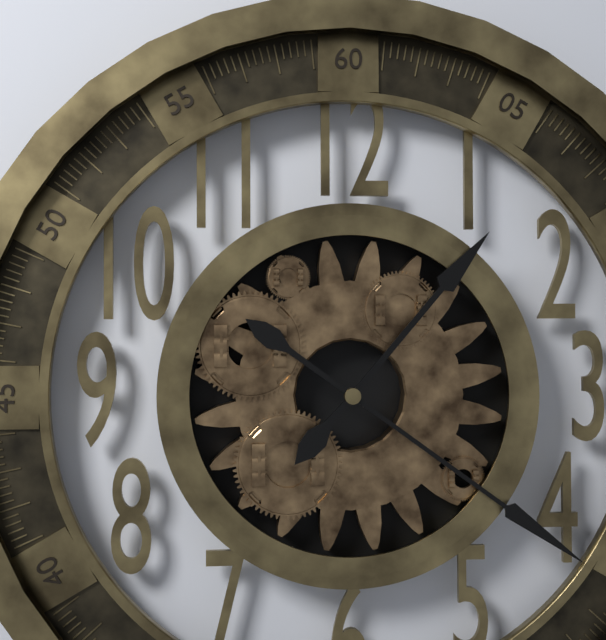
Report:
1:21
